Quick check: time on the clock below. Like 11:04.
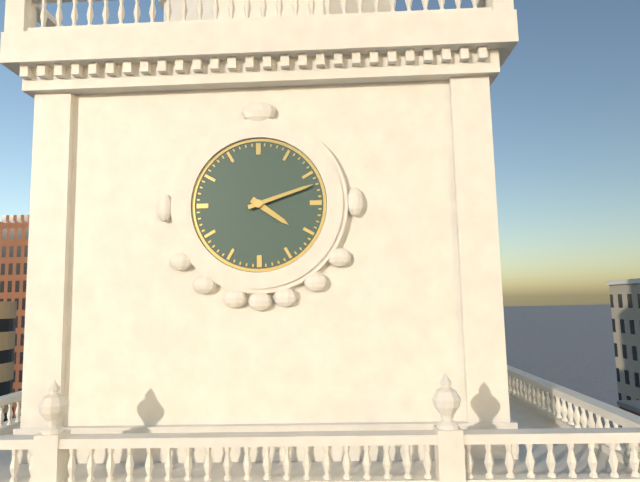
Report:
4:12
